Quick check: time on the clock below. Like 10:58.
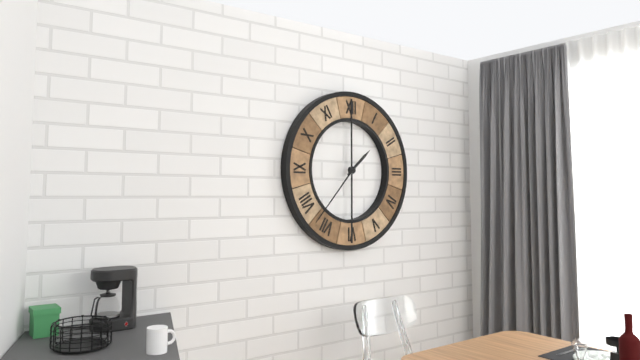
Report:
1:37
